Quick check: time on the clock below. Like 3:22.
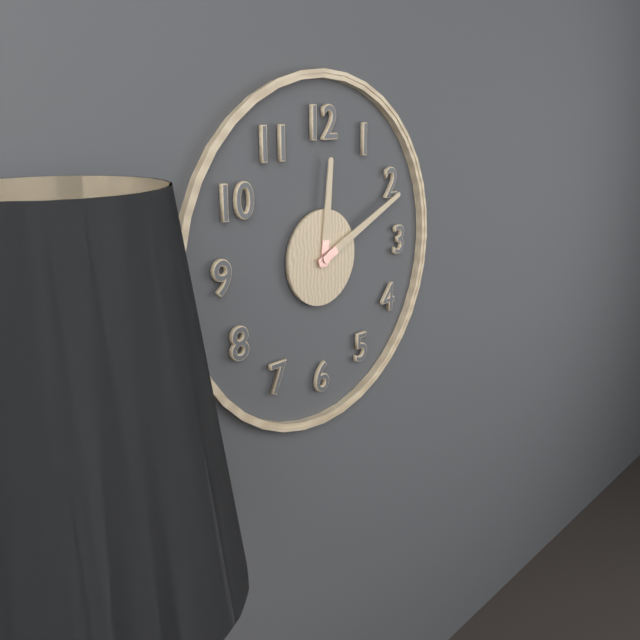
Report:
12:11
